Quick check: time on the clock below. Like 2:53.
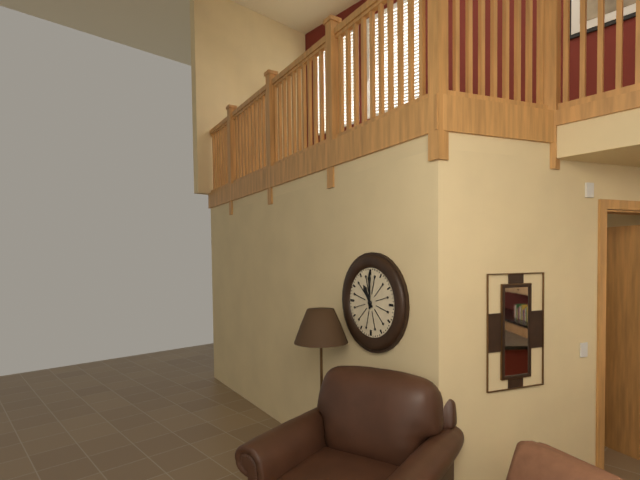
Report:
11:00
